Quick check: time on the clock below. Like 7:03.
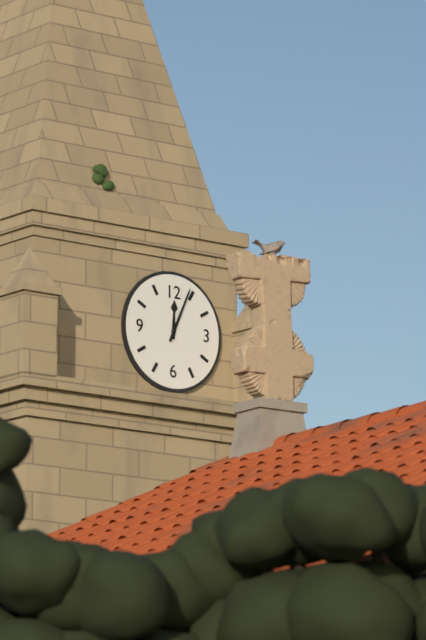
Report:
12:04
